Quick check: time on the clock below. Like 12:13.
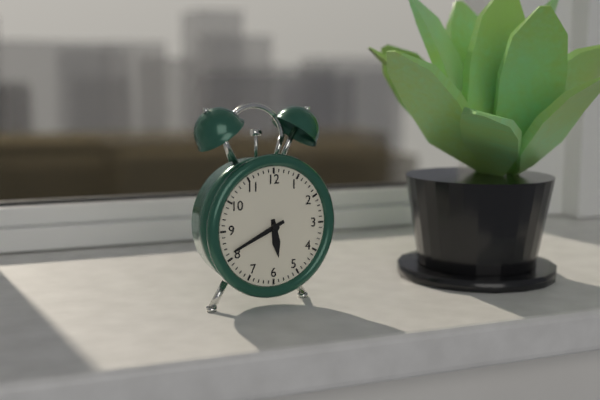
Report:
5:41
